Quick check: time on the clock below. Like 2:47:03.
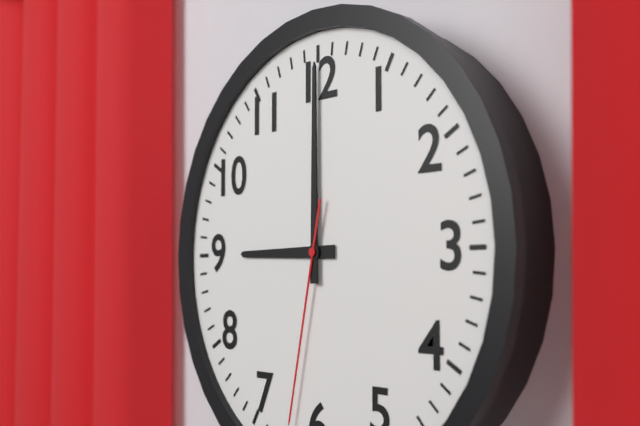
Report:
9:00:32
